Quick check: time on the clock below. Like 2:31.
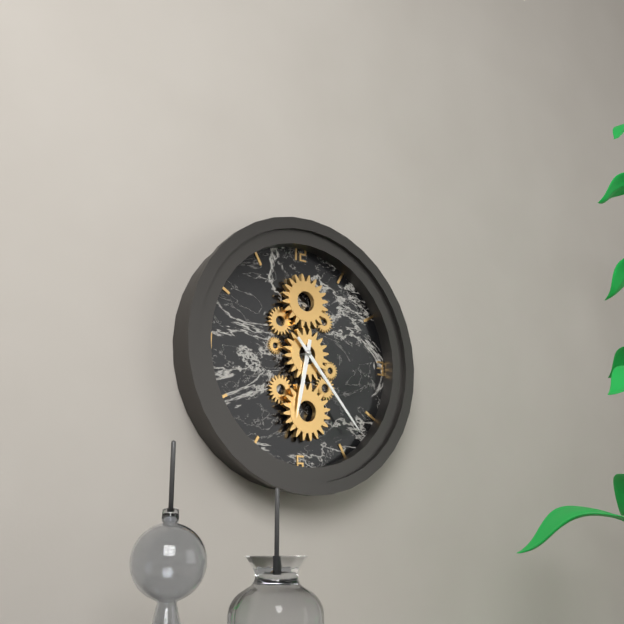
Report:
6:23
